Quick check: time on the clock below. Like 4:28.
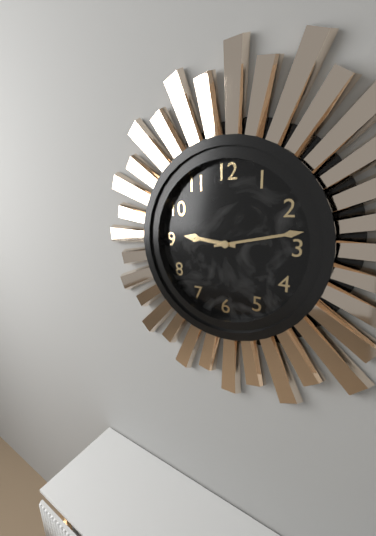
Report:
9:13
